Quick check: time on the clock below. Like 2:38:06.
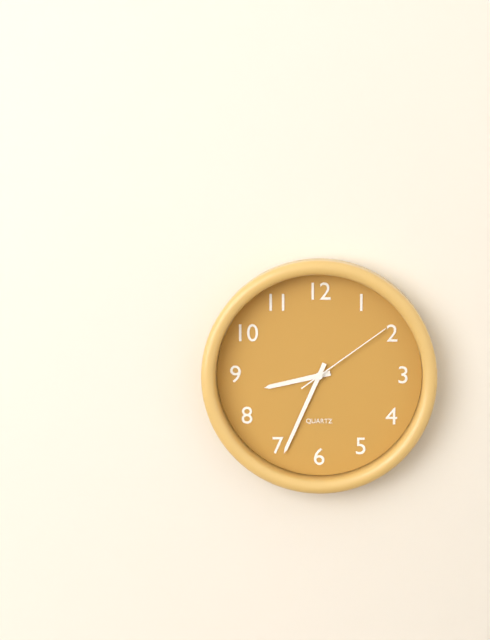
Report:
8:34:09
